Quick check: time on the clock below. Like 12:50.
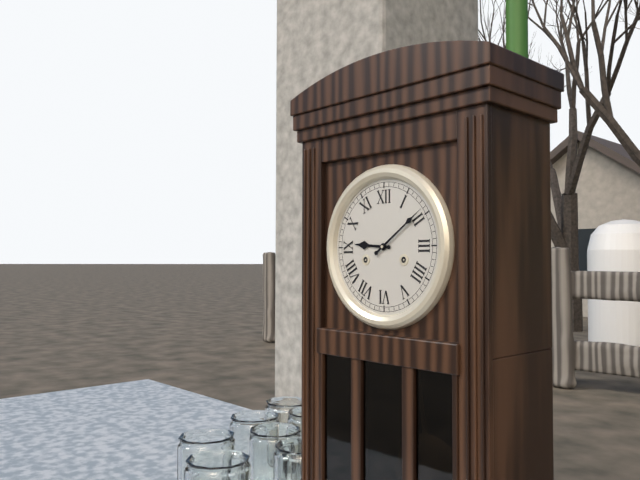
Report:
9:09
